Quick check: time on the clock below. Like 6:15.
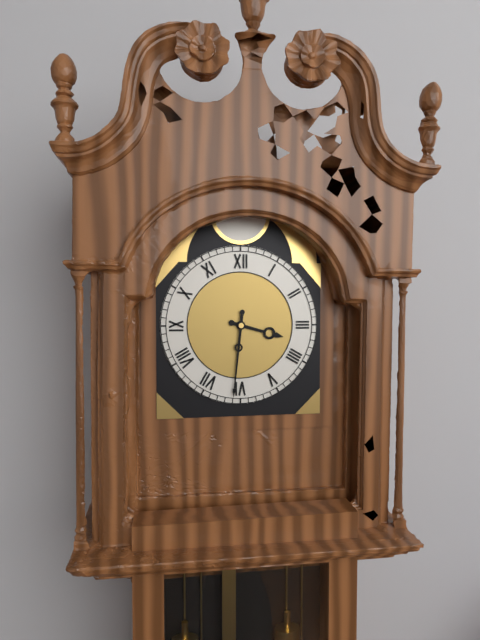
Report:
3:31
